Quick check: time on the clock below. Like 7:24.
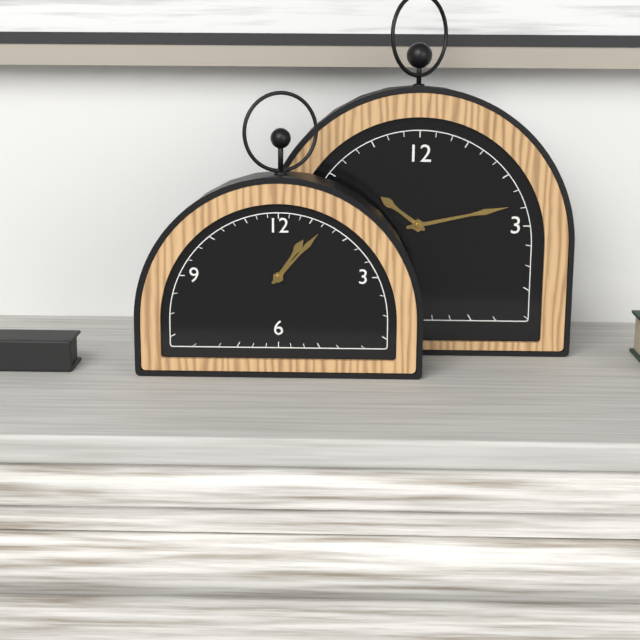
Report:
1:07
